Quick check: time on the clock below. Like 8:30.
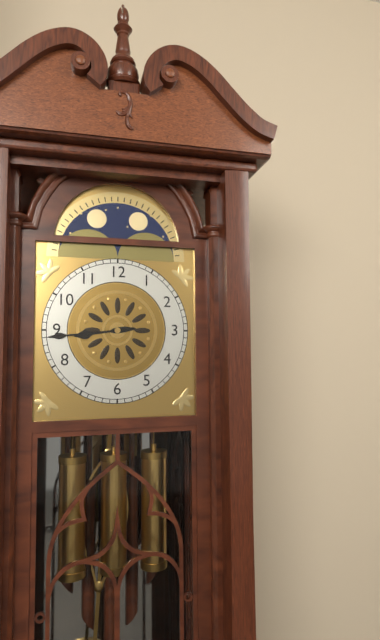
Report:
8:44
